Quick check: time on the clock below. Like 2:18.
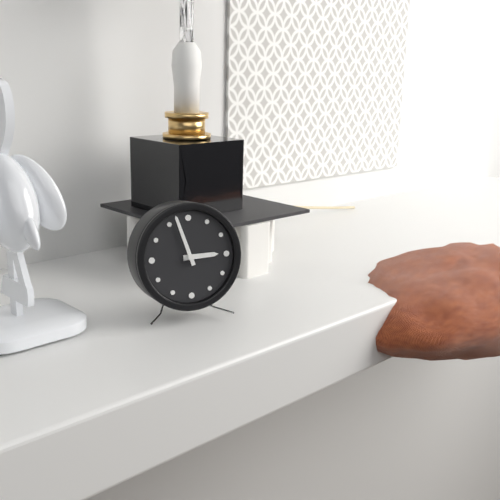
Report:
2:57
